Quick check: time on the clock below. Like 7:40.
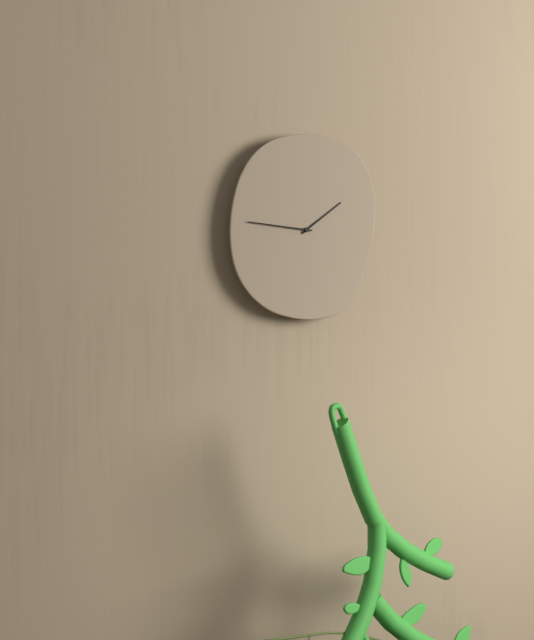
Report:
1:46
